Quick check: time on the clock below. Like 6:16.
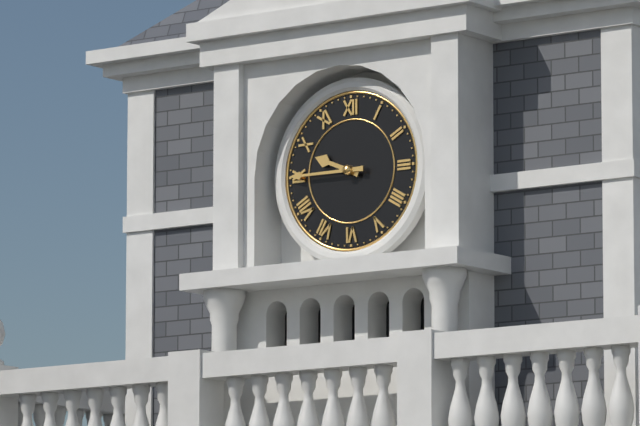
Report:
9:45
